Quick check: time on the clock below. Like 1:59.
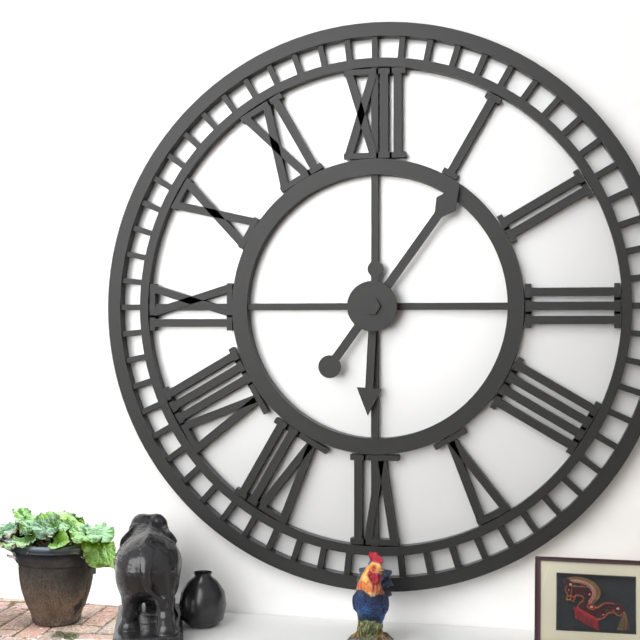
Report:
6:06
